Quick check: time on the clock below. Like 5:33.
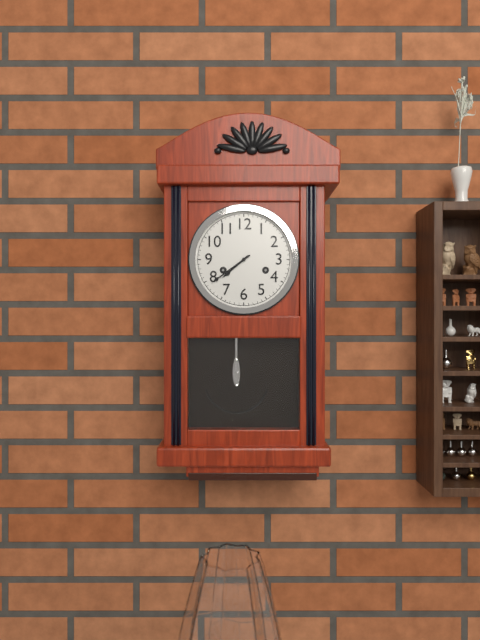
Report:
7:39
